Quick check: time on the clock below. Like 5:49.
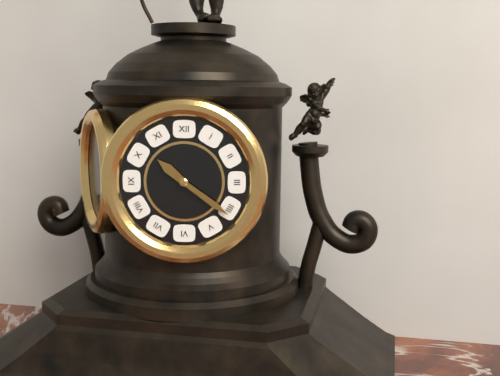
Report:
10:21
